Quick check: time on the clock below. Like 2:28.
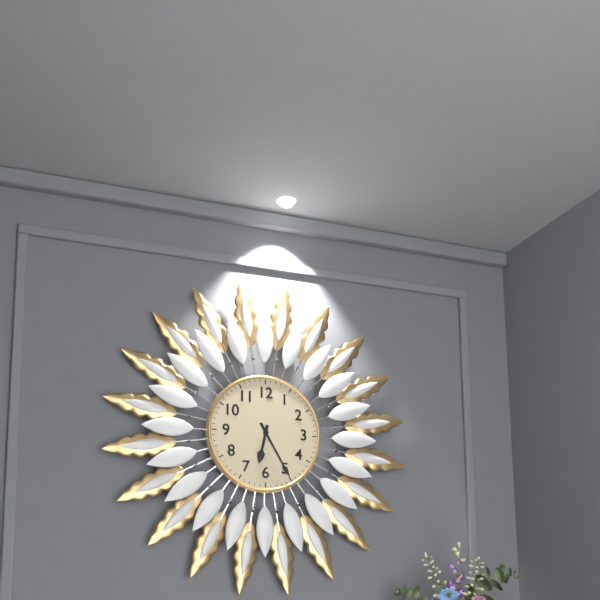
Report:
6:25
